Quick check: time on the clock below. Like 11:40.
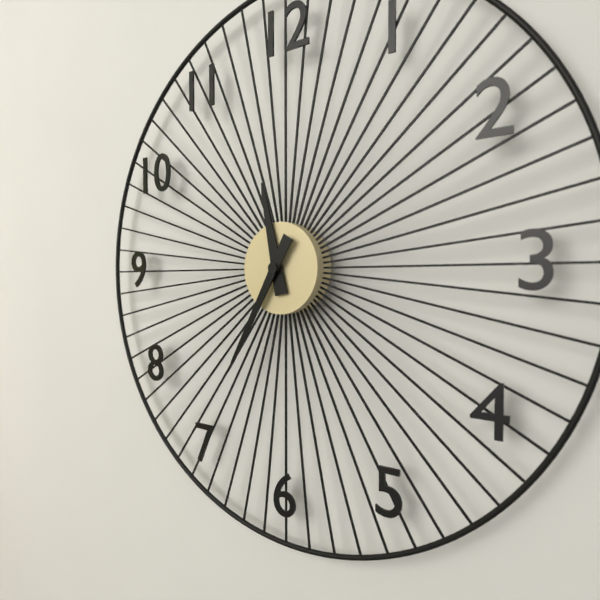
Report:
11:35
